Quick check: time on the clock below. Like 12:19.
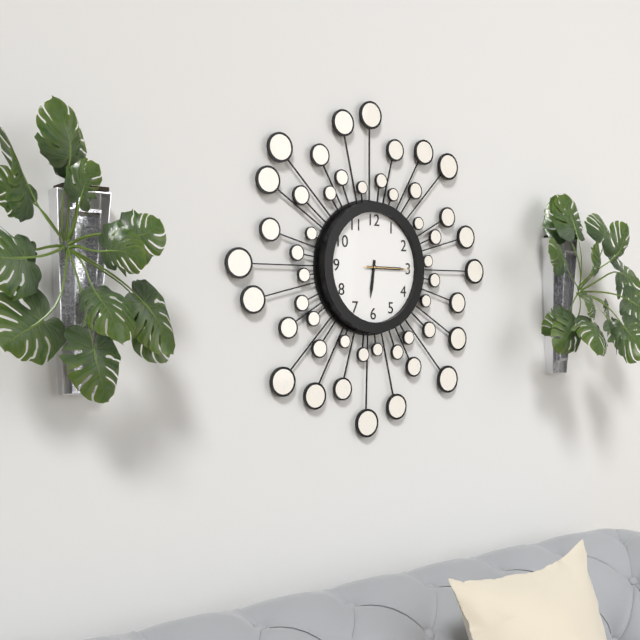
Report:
6:15
